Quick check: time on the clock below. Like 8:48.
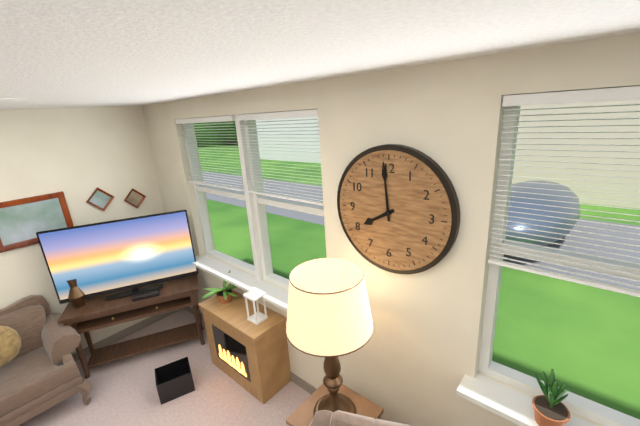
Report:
7:59
